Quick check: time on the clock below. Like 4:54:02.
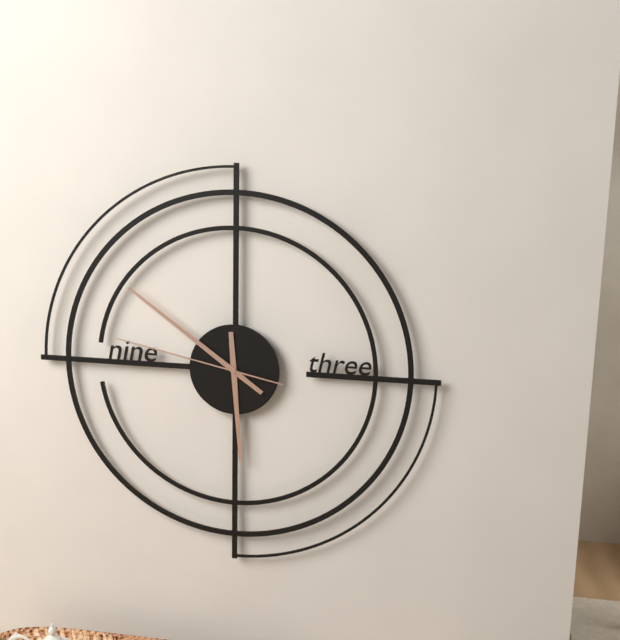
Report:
5:51:47
